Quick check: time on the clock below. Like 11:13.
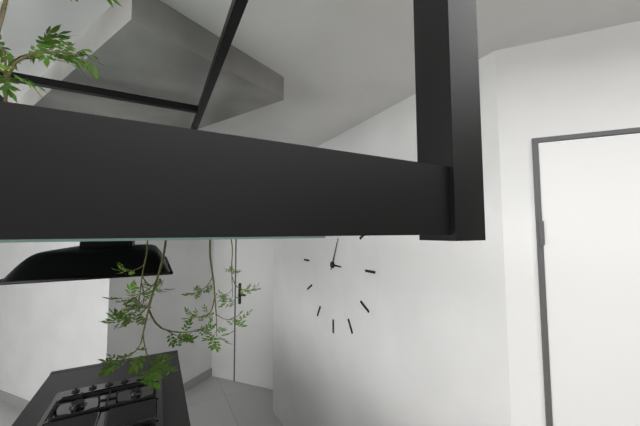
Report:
3:04
